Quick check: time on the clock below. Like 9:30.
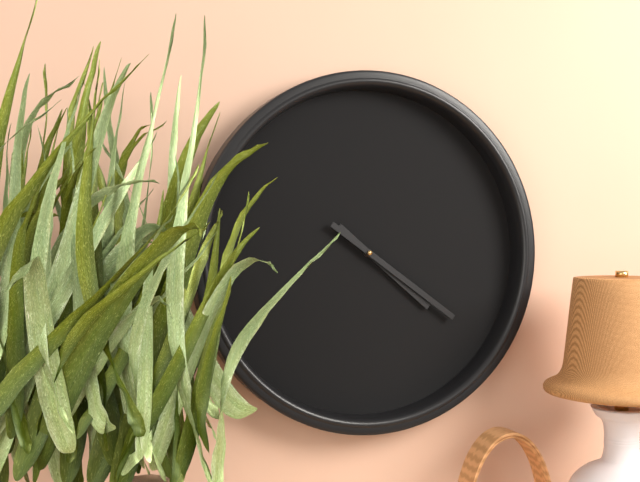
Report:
4:21
